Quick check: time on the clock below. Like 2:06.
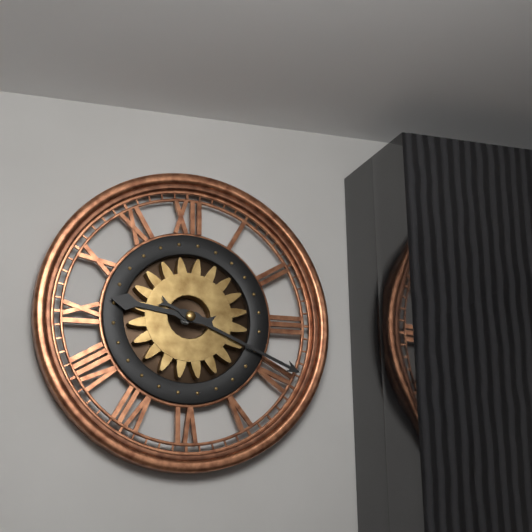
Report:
9:19
